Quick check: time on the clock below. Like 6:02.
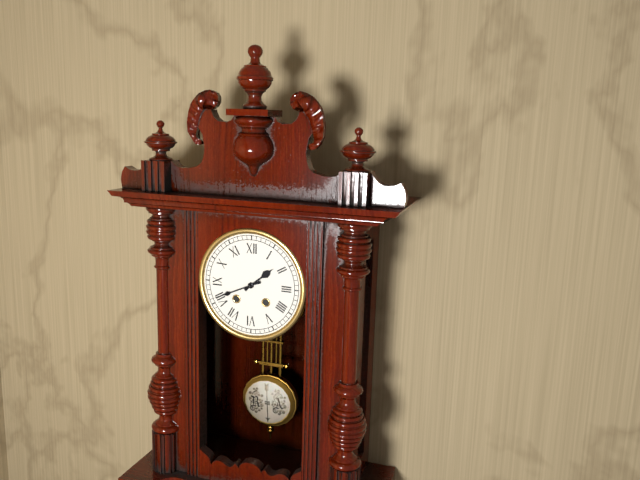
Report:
1:41
